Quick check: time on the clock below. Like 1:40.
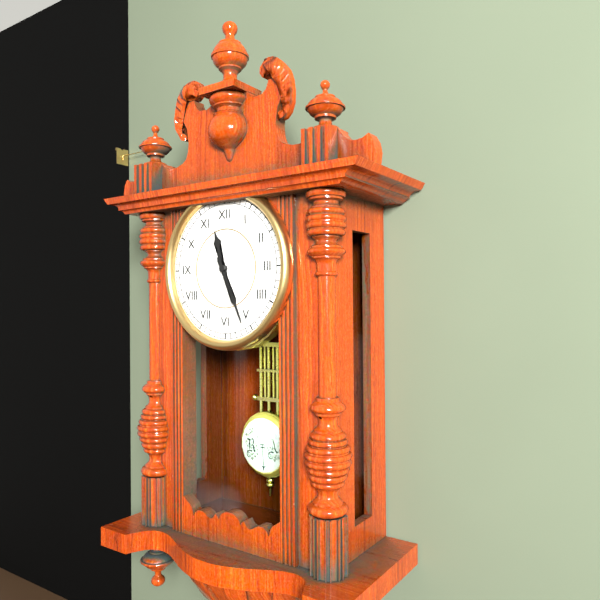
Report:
11:26
